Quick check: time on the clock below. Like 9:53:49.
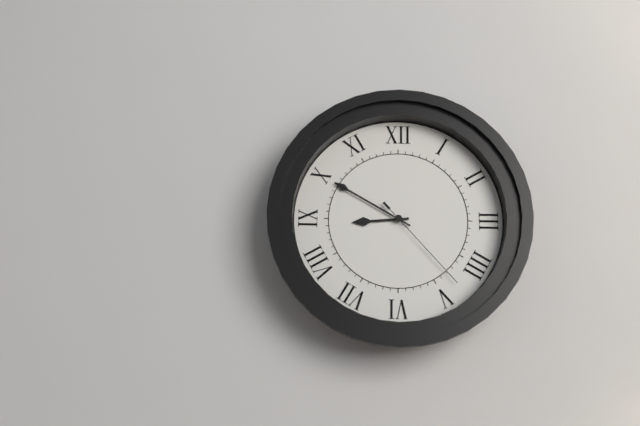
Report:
8:50:23
